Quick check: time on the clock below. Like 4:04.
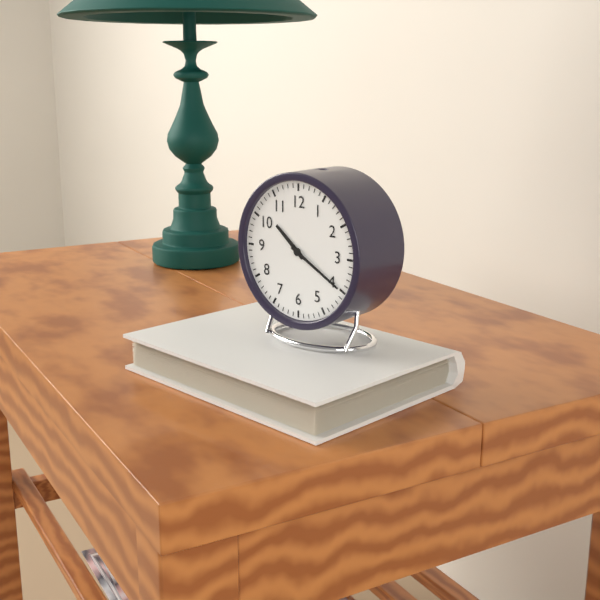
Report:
10:20
